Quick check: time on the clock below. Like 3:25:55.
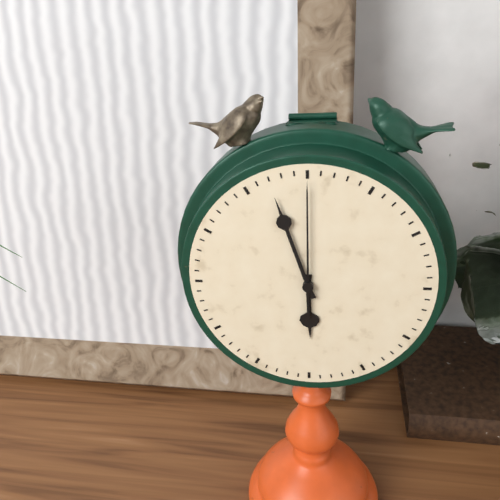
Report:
5:57:00
